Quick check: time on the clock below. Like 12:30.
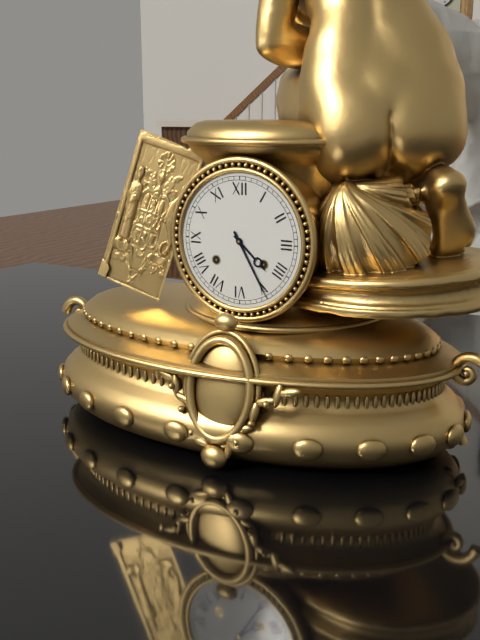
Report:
4:25
